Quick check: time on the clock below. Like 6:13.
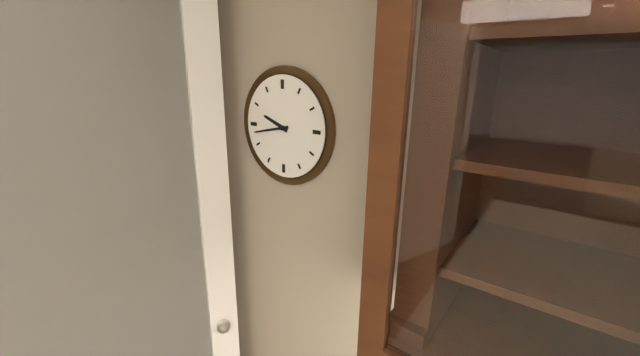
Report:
9:43
